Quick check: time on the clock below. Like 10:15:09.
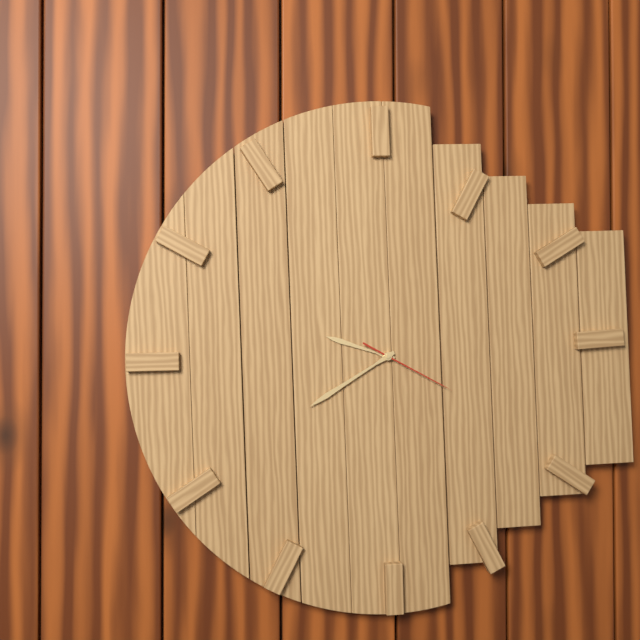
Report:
9:40:20
